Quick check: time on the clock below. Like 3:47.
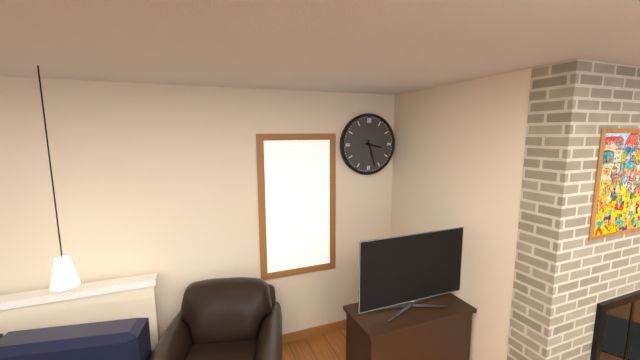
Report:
3:27
